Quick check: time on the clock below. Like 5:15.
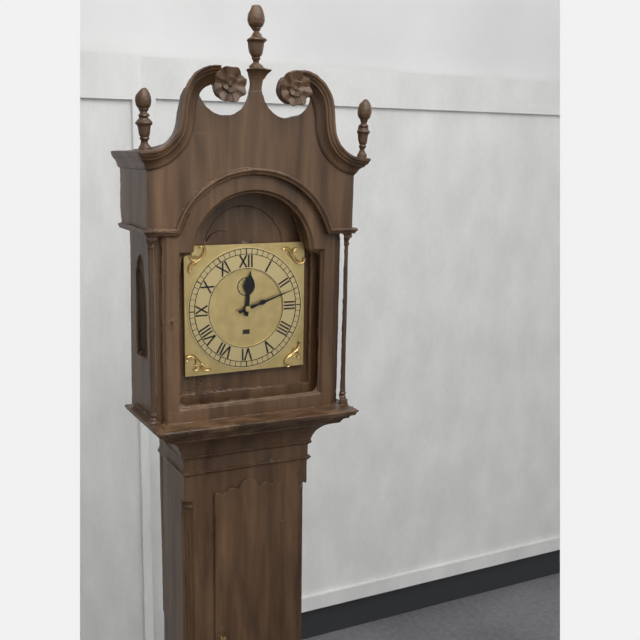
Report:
12:12
